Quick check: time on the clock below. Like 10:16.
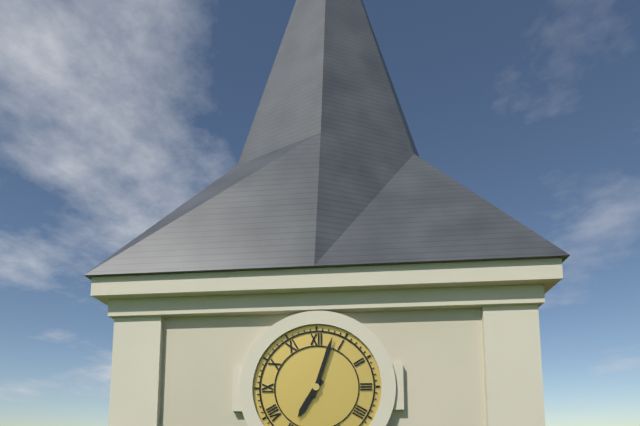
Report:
7:03
